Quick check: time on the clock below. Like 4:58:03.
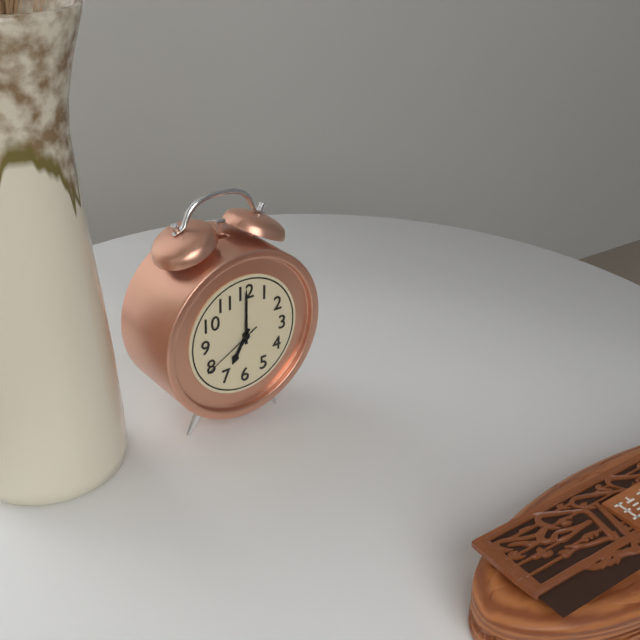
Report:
7:00:40
